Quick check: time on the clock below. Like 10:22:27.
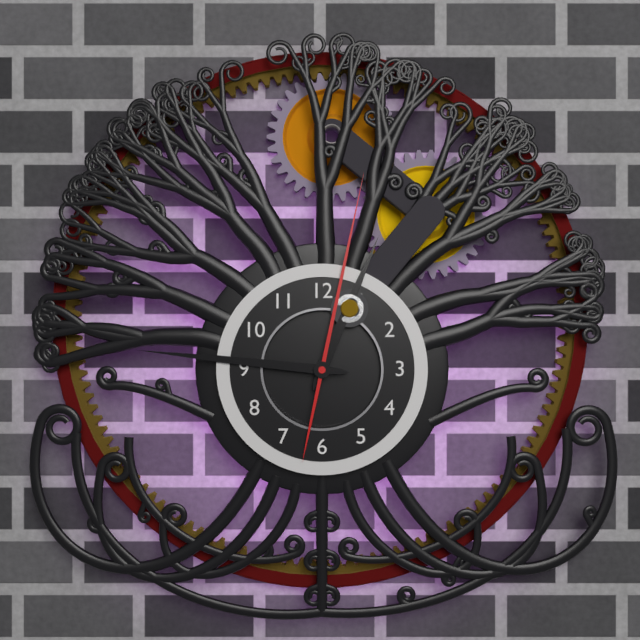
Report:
12:46:02
